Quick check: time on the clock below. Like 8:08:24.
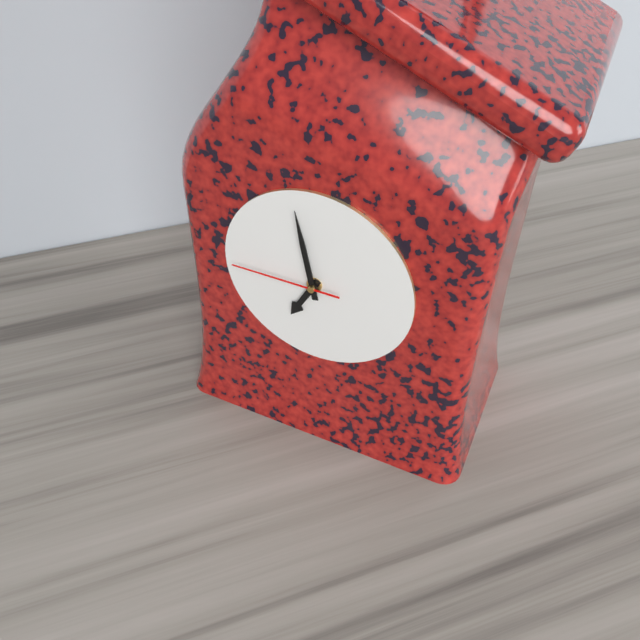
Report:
6:58:45
